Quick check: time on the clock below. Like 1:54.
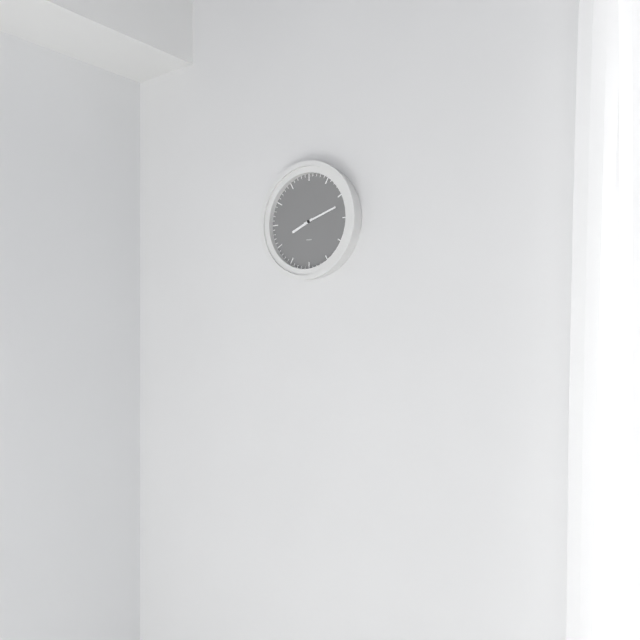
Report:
8:12
